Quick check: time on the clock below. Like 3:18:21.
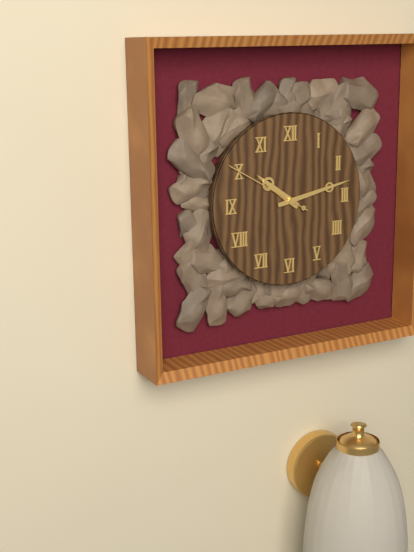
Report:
10:13:50
